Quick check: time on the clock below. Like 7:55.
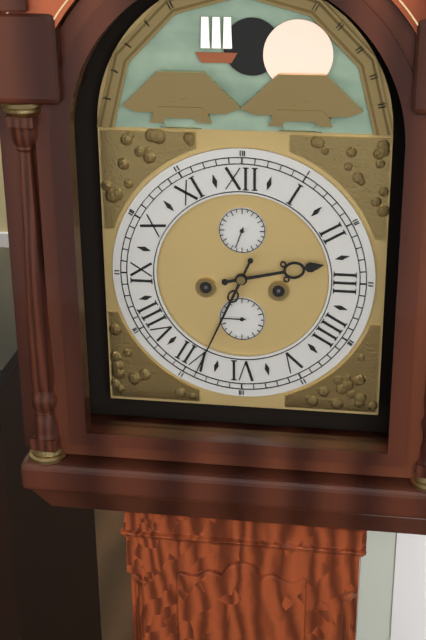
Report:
2:34
